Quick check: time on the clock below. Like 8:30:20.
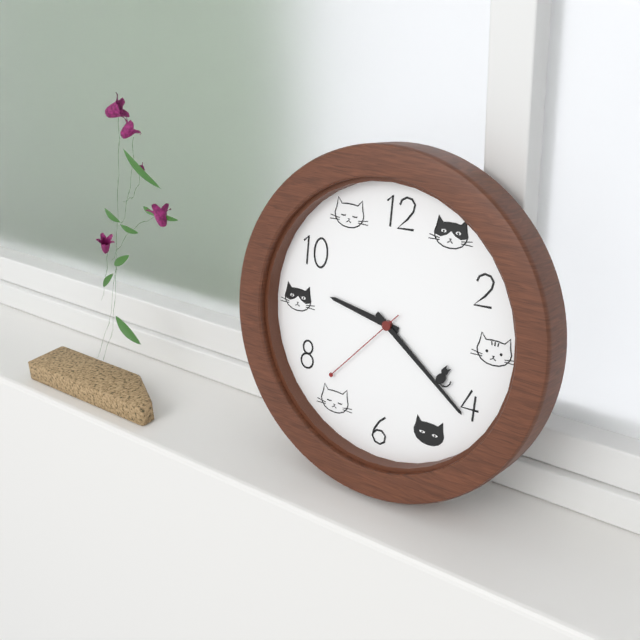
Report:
9:21:37
